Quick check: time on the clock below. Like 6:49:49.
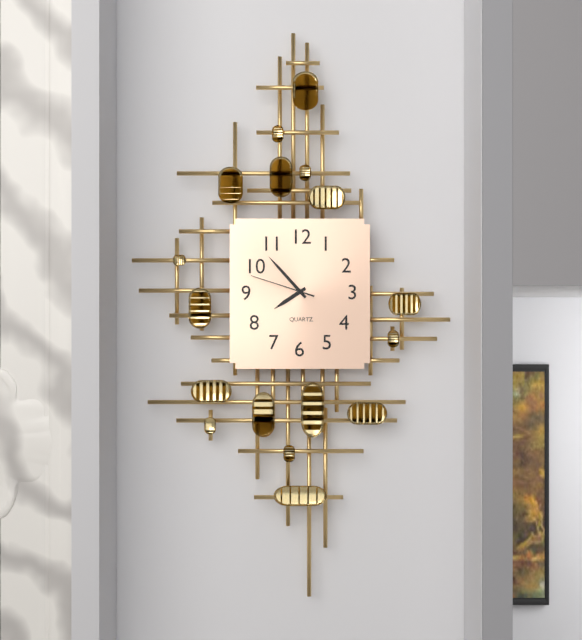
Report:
7:53:48
